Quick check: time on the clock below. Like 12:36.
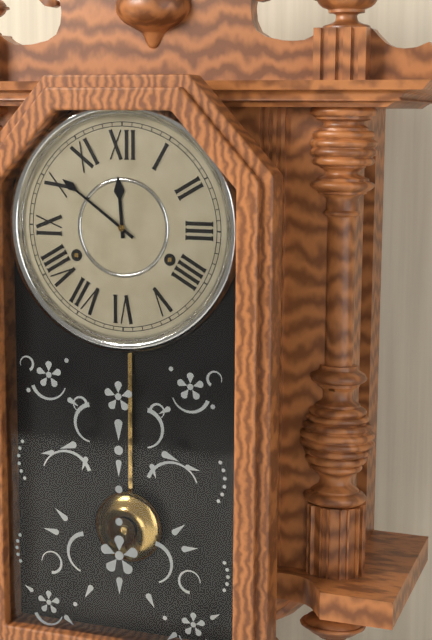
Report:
11:51
